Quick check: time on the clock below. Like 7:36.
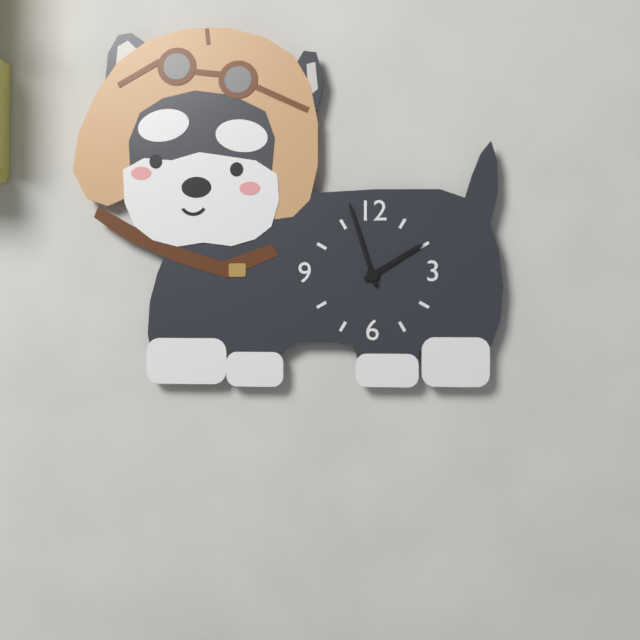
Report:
1:57
